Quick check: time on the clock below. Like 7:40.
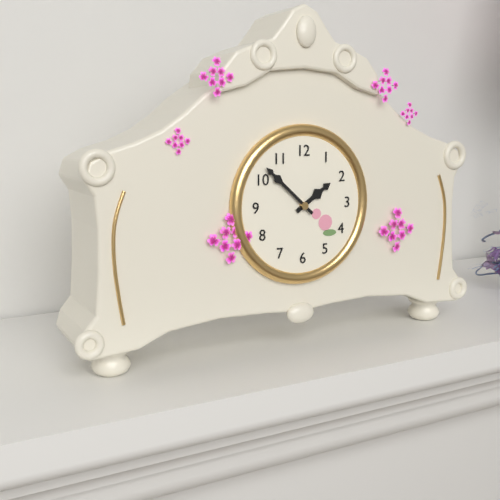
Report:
1:52
